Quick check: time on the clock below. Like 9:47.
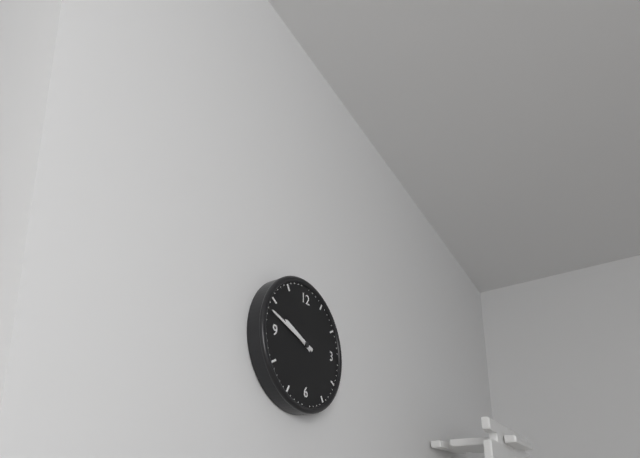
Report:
9:48
